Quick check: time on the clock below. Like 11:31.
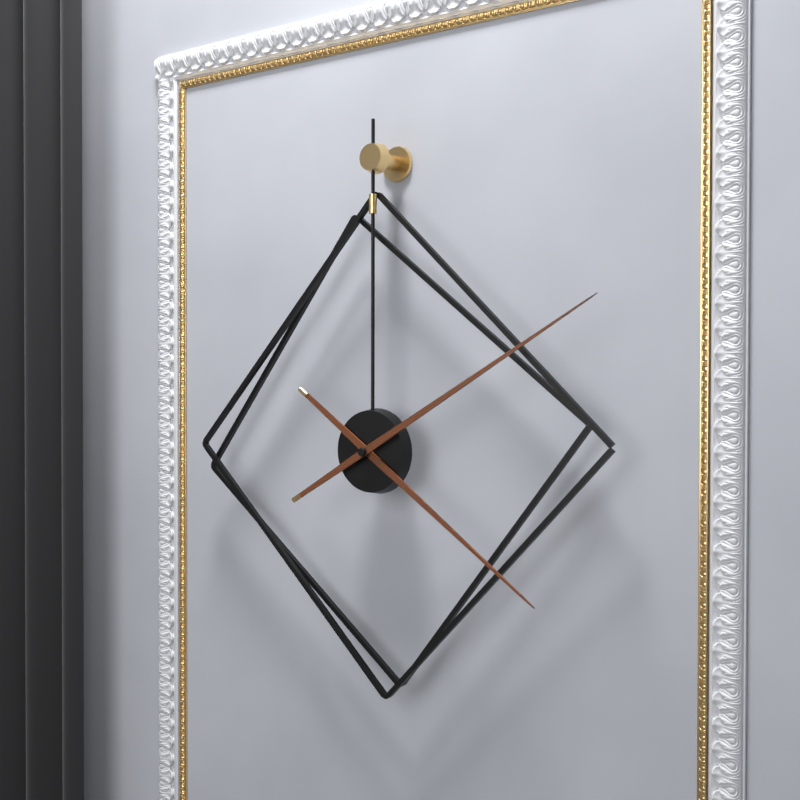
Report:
4:10
